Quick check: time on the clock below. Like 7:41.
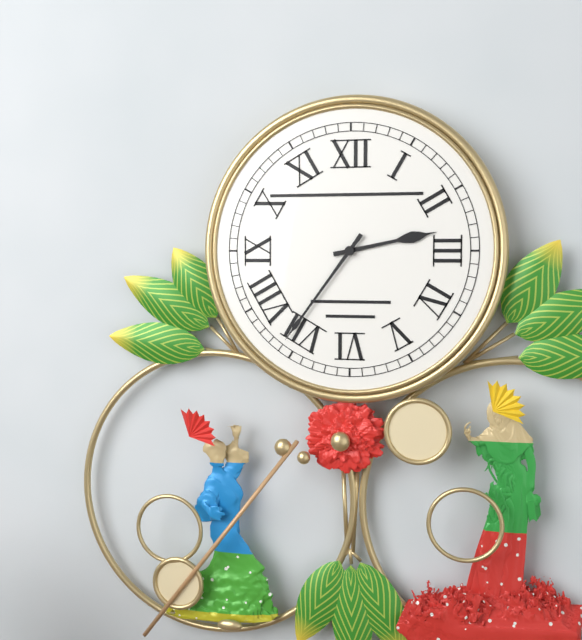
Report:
2:36
